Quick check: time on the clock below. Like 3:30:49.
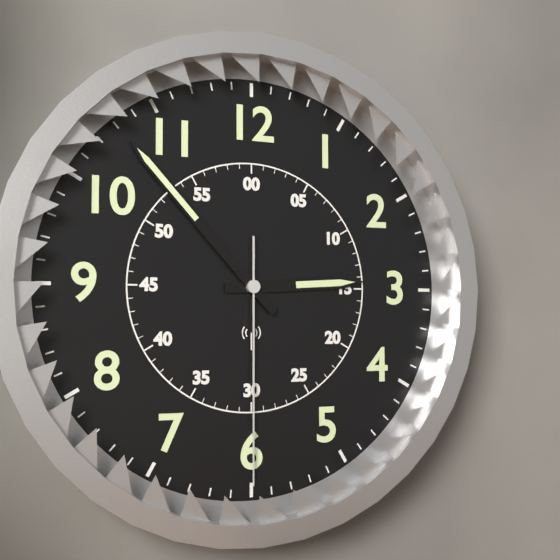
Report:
2:53:30
